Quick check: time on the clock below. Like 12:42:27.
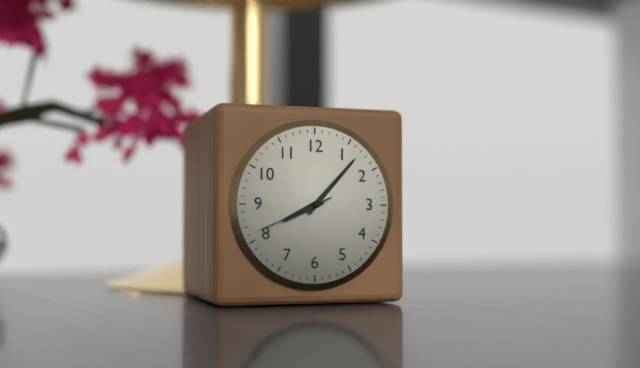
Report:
8:07:41
